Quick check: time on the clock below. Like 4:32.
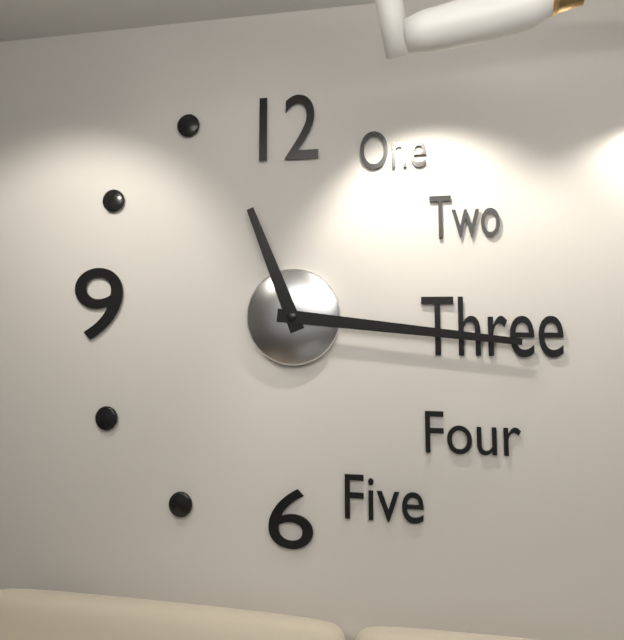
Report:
11:16
